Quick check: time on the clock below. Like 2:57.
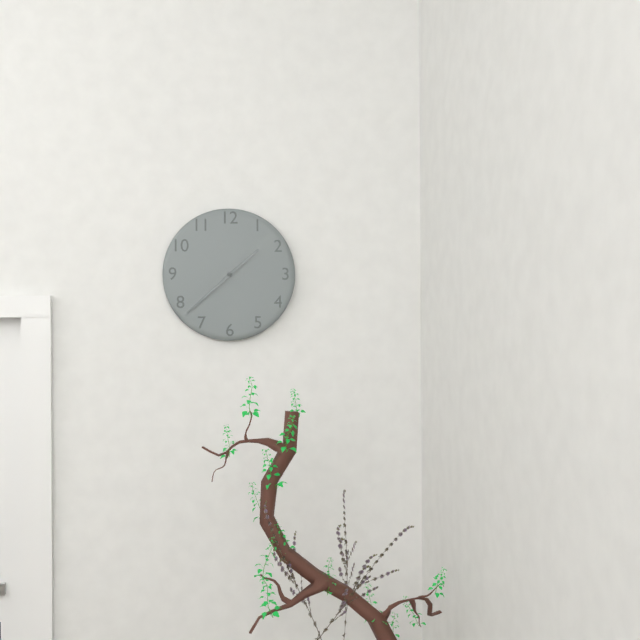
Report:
1:38
